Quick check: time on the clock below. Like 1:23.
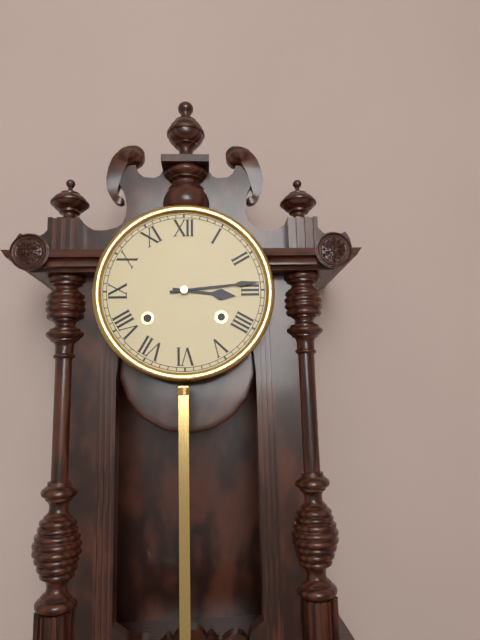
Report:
3:14
